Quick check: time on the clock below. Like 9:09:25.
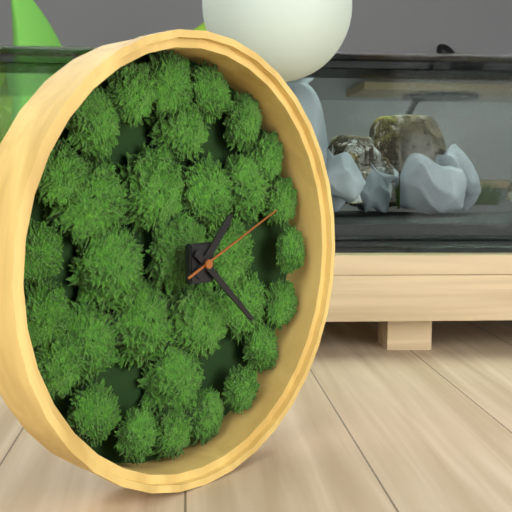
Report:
1:22:11
